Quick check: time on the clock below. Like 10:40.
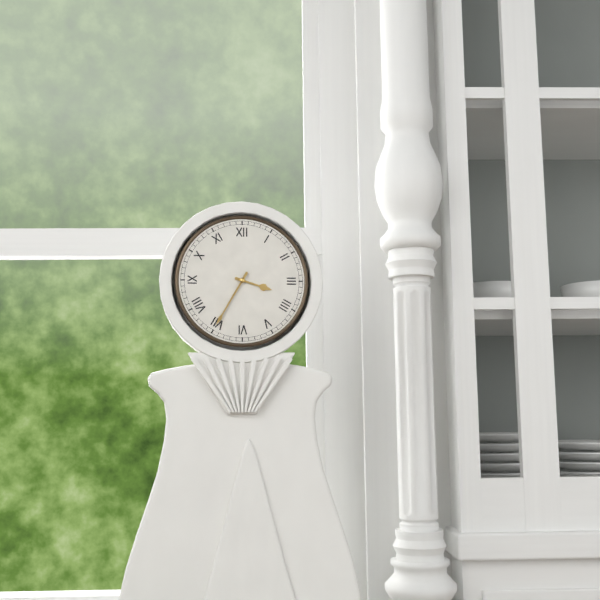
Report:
3:35
